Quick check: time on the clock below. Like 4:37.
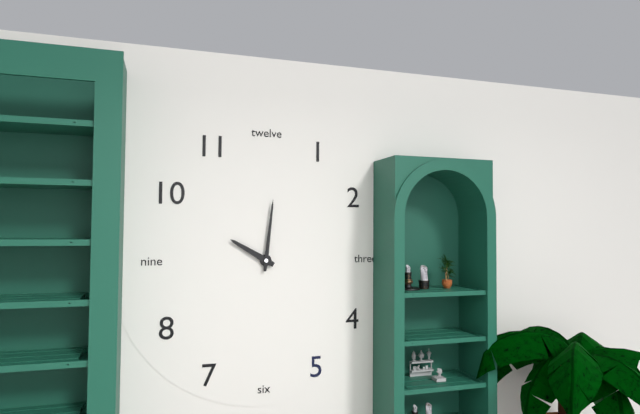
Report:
10:01
